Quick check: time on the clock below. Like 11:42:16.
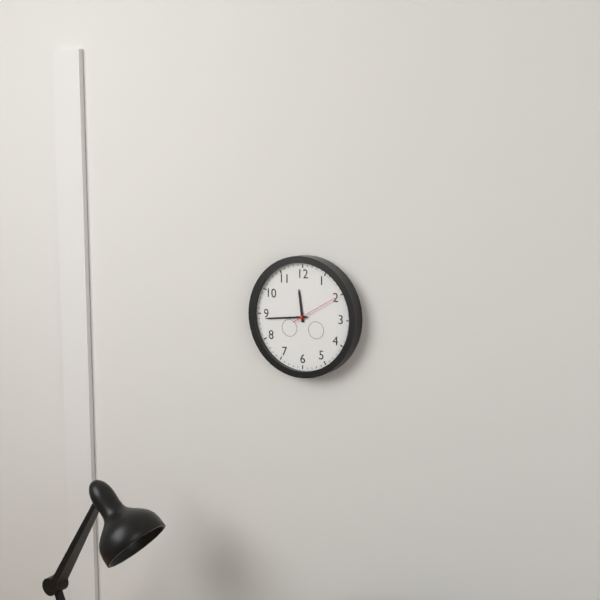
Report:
11:44:10
